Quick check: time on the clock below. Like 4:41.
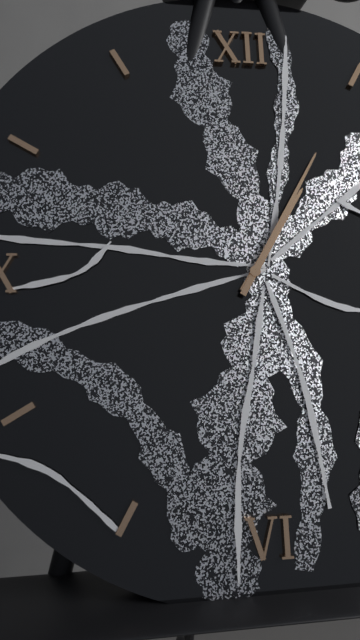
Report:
1:05
